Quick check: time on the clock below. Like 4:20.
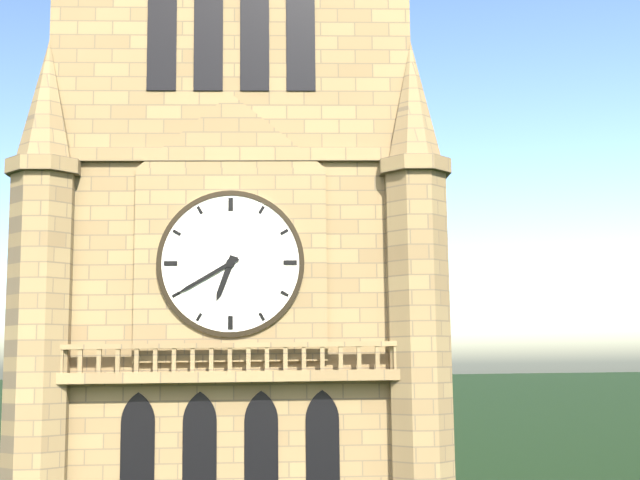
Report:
6:40
